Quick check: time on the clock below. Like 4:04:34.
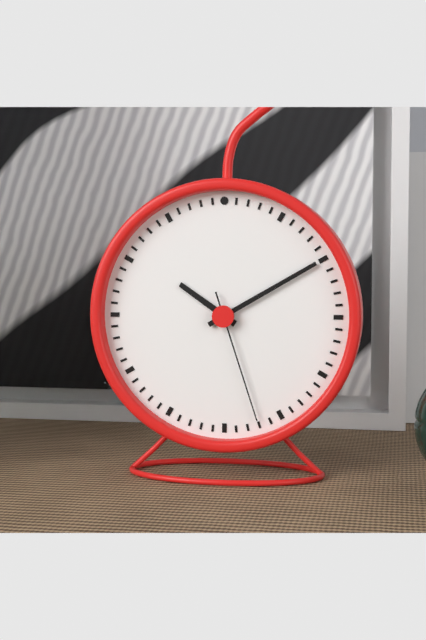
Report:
10:10:27
